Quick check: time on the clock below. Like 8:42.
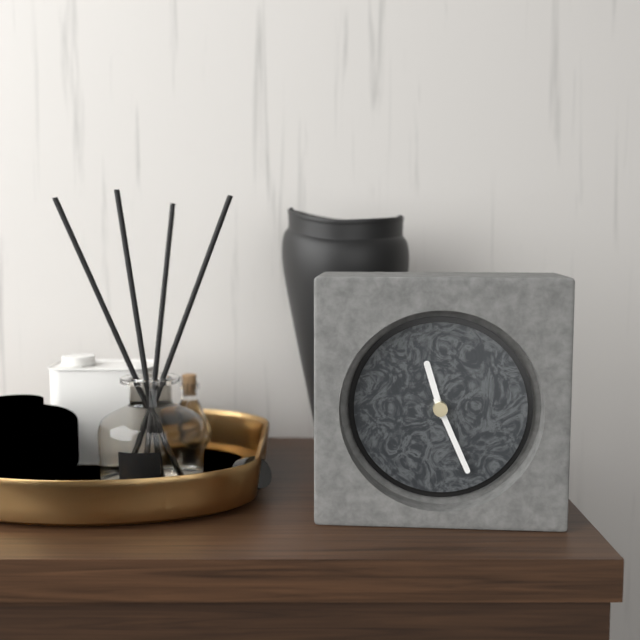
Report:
11:26
